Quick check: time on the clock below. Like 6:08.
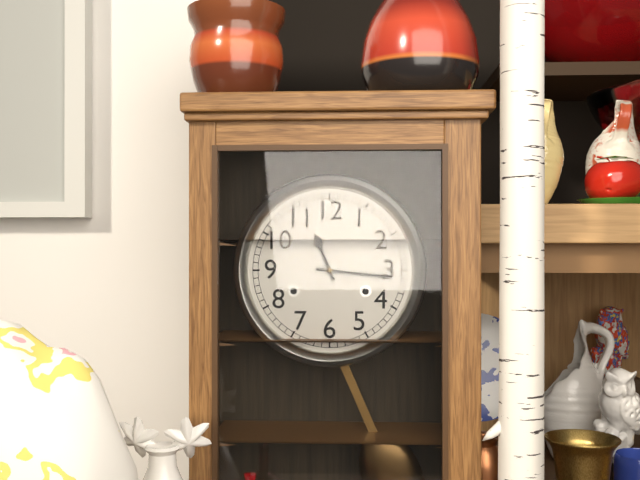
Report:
11:16
